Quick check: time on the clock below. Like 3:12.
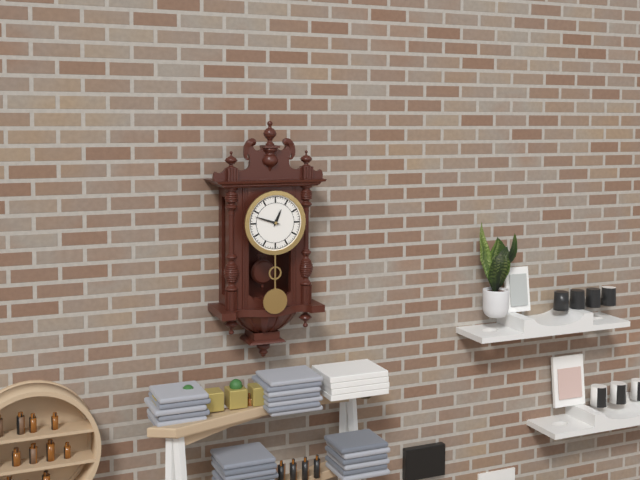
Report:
12:48
